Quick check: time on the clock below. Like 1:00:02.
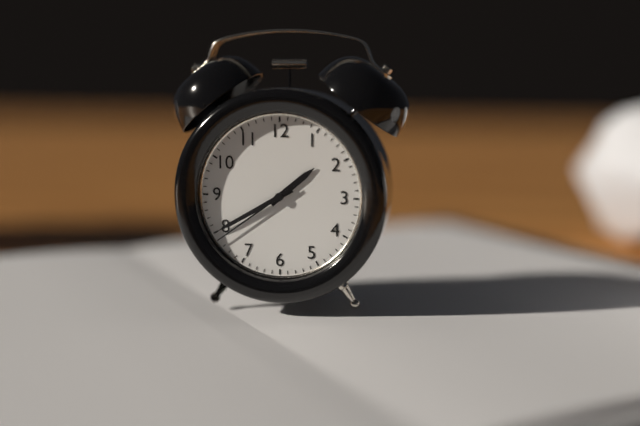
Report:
1:40:39
